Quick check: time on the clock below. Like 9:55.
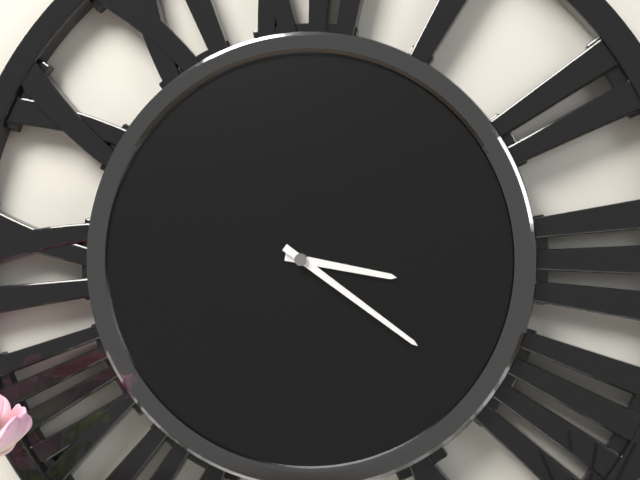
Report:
3:21
